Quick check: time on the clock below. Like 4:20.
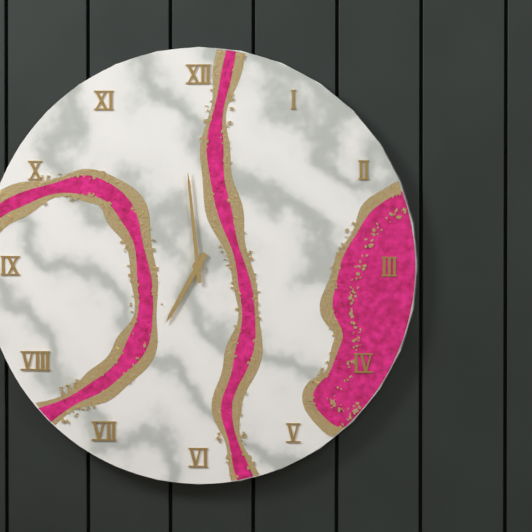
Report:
6:59
